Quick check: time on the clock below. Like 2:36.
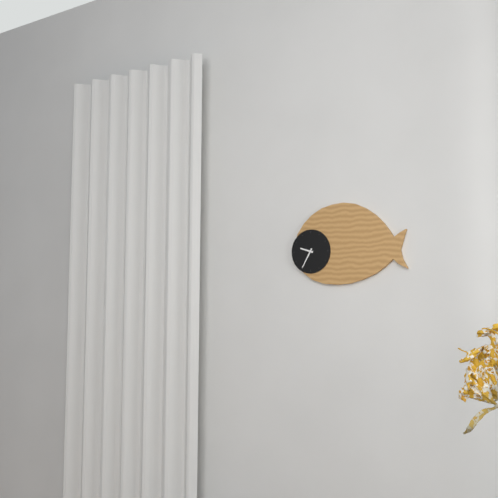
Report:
9:35
